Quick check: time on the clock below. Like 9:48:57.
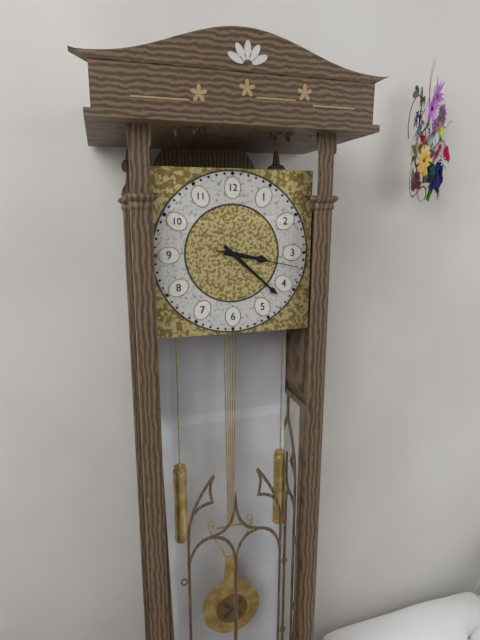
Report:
3:22:17
